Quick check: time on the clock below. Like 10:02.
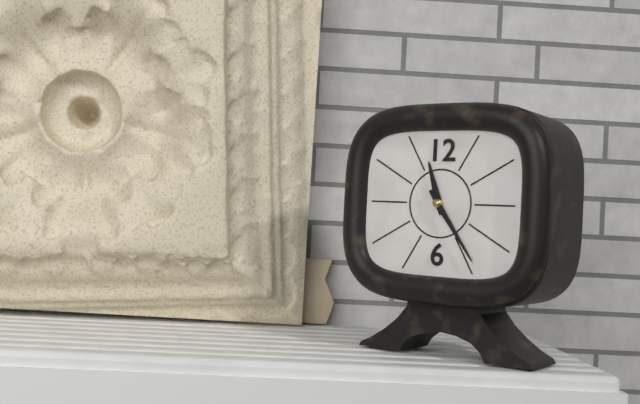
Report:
11:24
